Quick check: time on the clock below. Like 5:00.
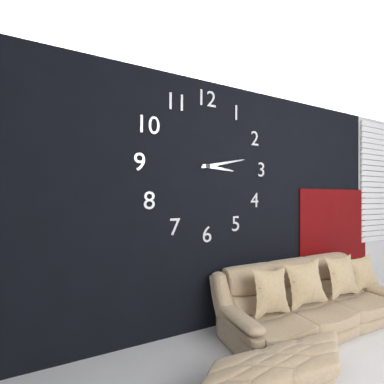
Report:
3:13
